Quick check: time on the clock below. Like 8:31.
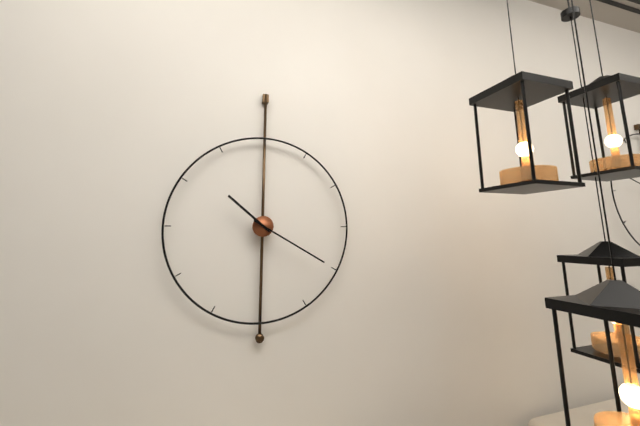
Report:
10:20
